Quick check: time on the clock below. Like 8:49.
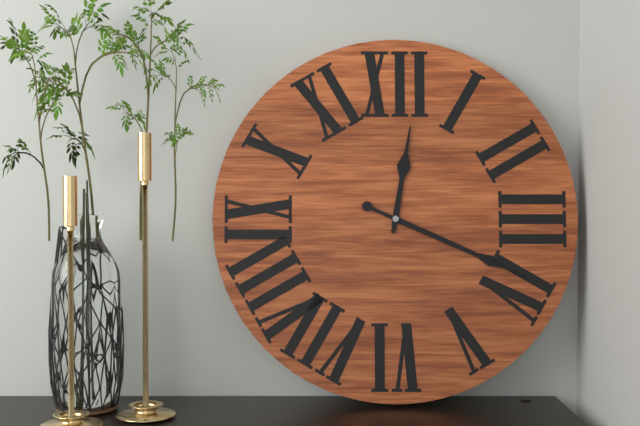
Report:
12:19
